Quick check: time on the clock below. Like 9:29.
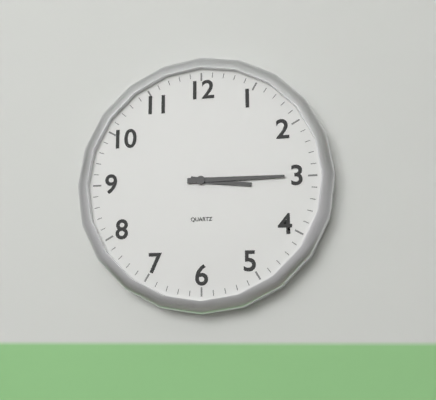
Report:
3:15
